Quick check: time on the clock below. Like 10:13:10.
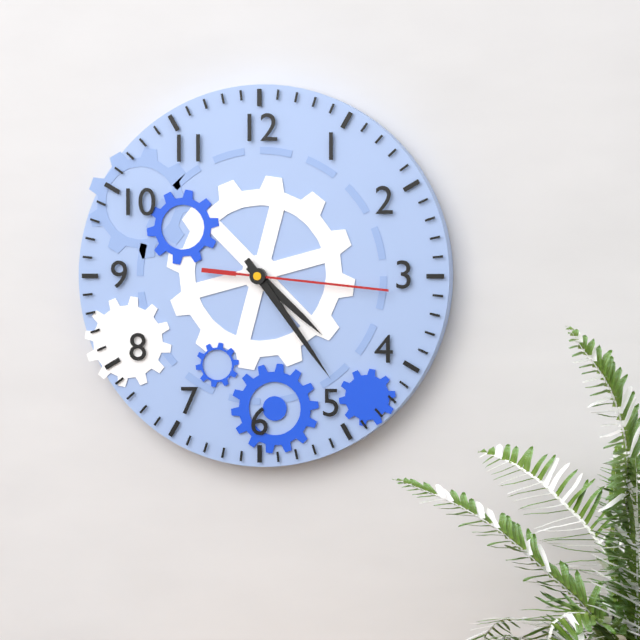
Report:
4:24:16
